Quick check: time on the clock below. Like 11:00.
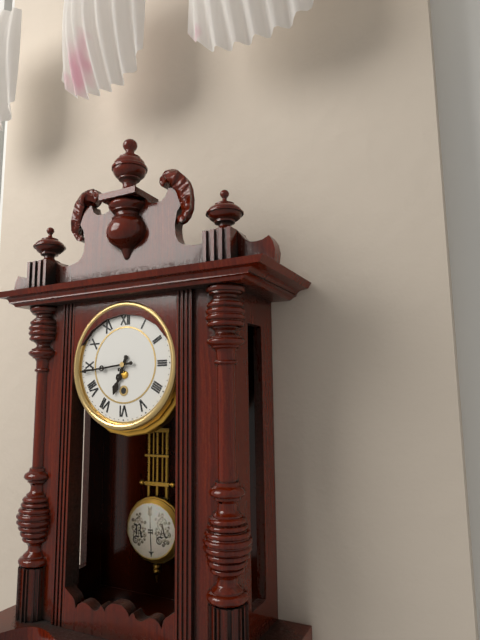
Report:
6:44
